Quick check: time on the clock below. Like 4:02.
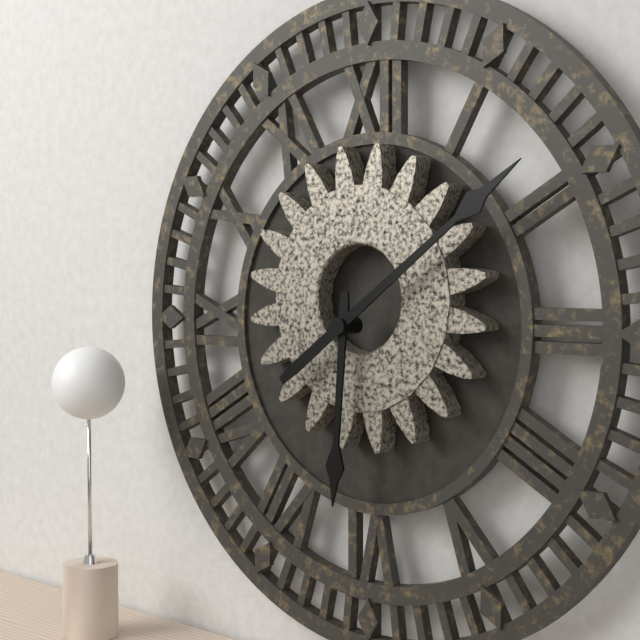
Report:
6:09
